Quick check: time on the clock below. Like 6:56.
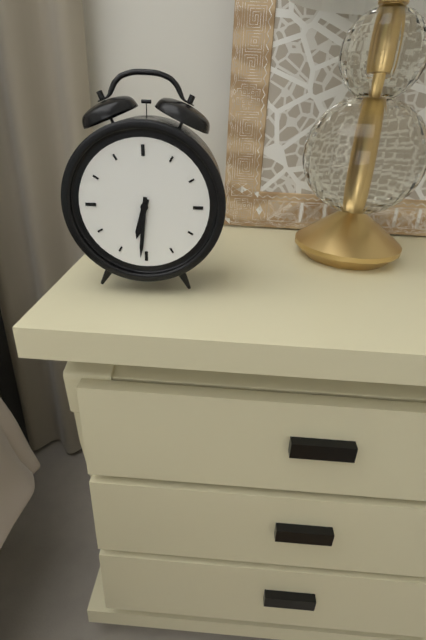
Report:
6:31
